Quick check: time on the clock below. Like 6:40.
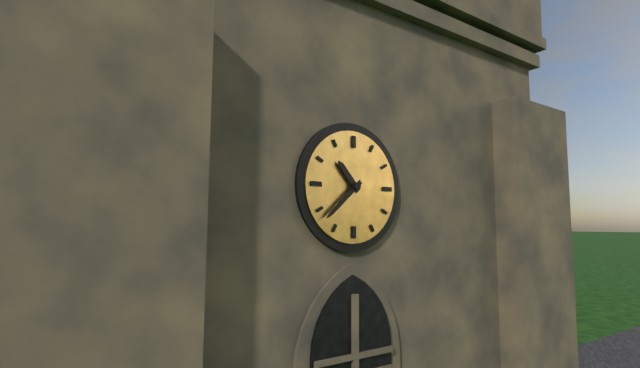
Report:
10:38
